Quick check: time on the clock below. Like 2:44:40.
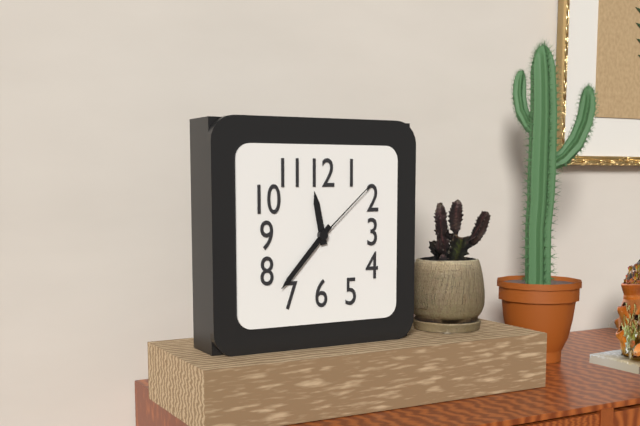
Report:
11:37:08
